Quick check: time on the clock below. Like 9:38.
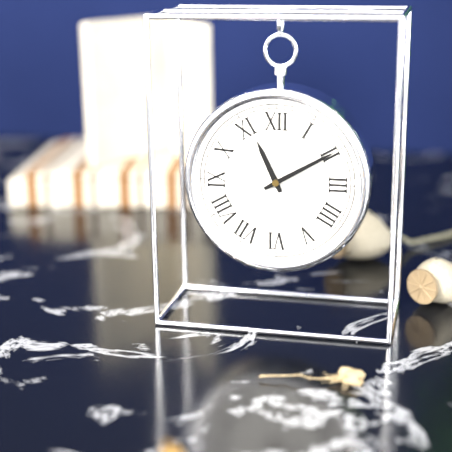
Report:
11:10
